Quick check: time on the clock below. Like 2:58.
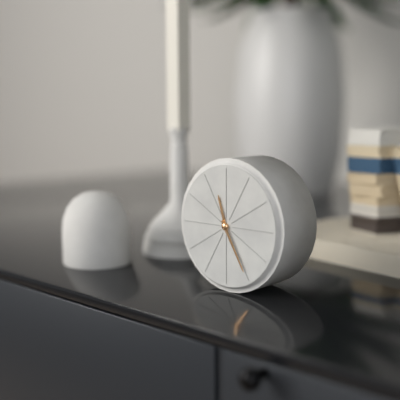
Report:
11:25
